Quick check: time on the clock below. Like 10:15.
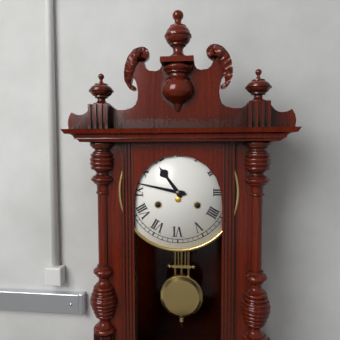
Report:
10:47
